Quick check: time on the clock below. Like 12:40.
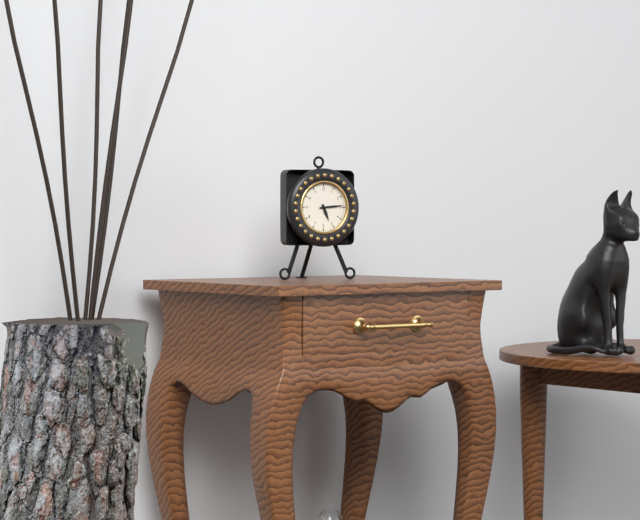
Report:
5:14
